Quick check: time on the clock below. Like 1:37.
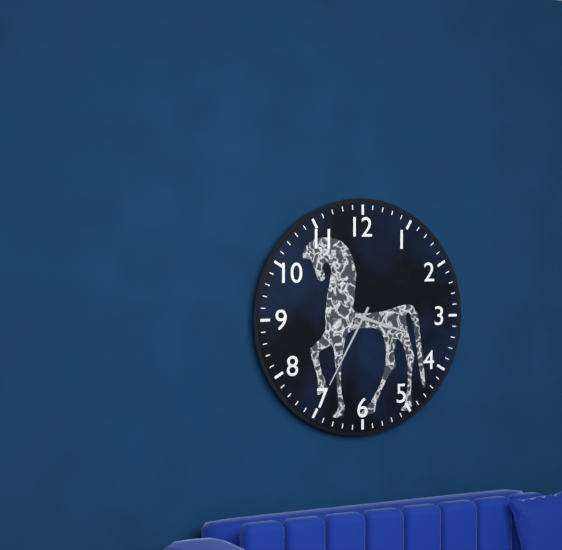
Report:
3:35
